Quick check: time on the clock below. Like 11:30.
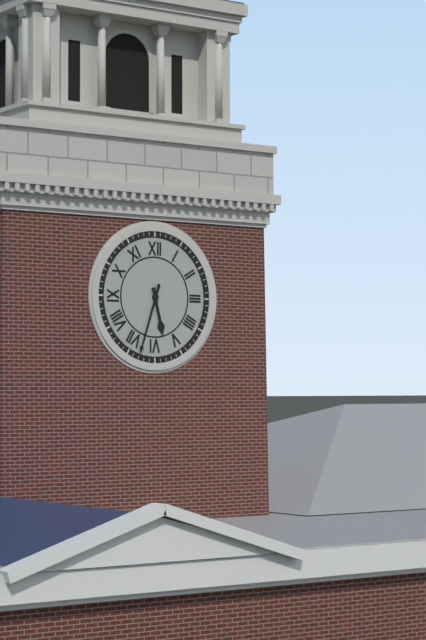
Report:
5:33
